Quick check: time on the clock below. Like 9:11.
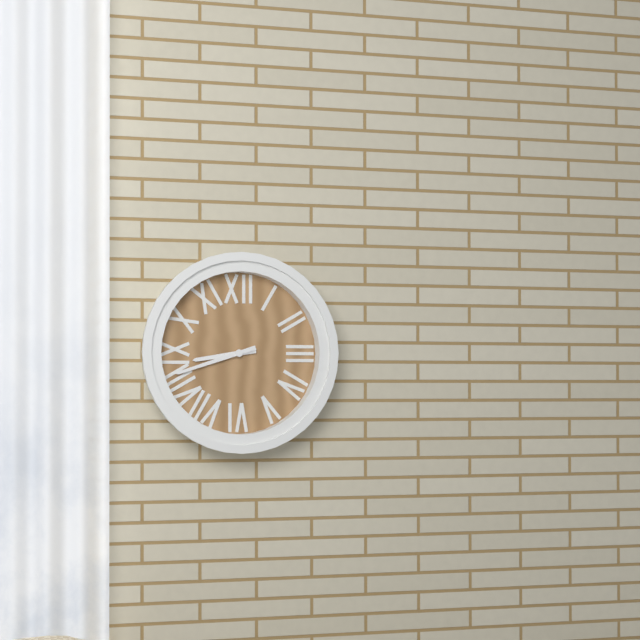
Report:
8:42
